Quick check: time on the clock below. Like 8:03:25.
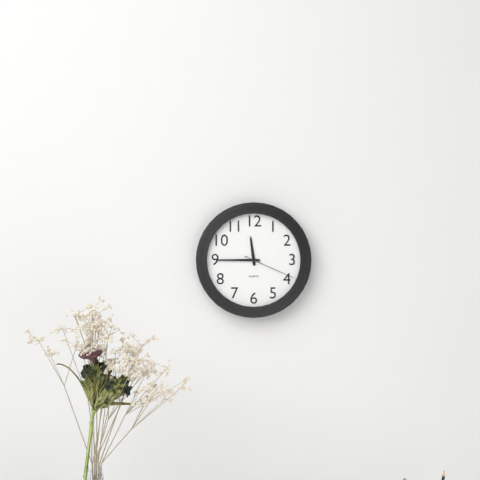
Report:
11:45:19
